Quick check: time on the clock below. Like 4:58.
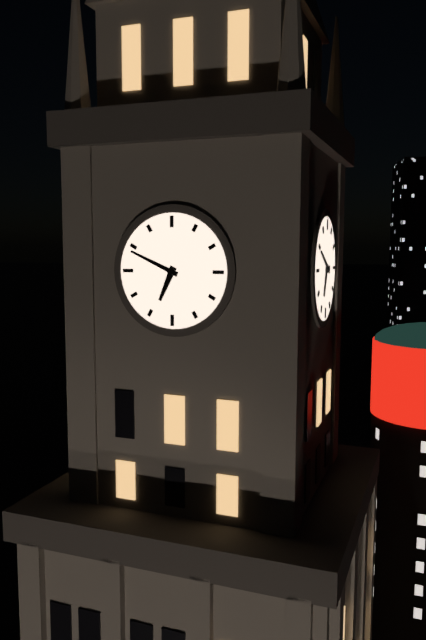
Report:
6:49
